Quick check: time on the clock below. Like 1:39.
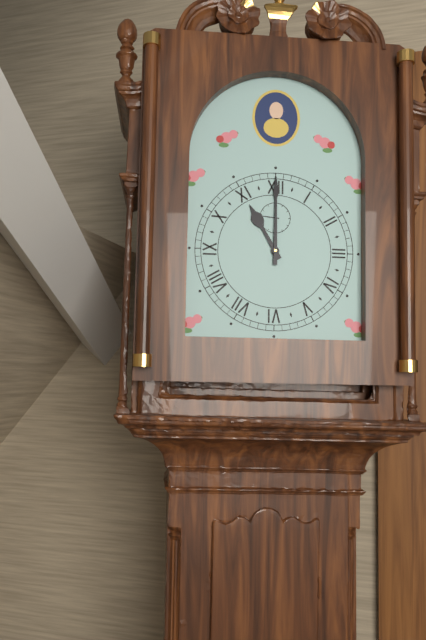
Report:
11:00
